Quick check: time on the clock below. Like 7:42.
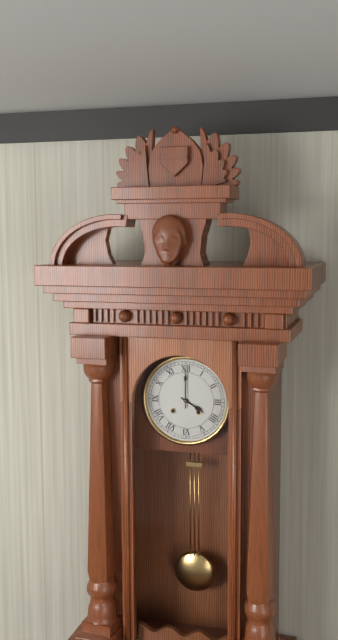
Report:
4:00
